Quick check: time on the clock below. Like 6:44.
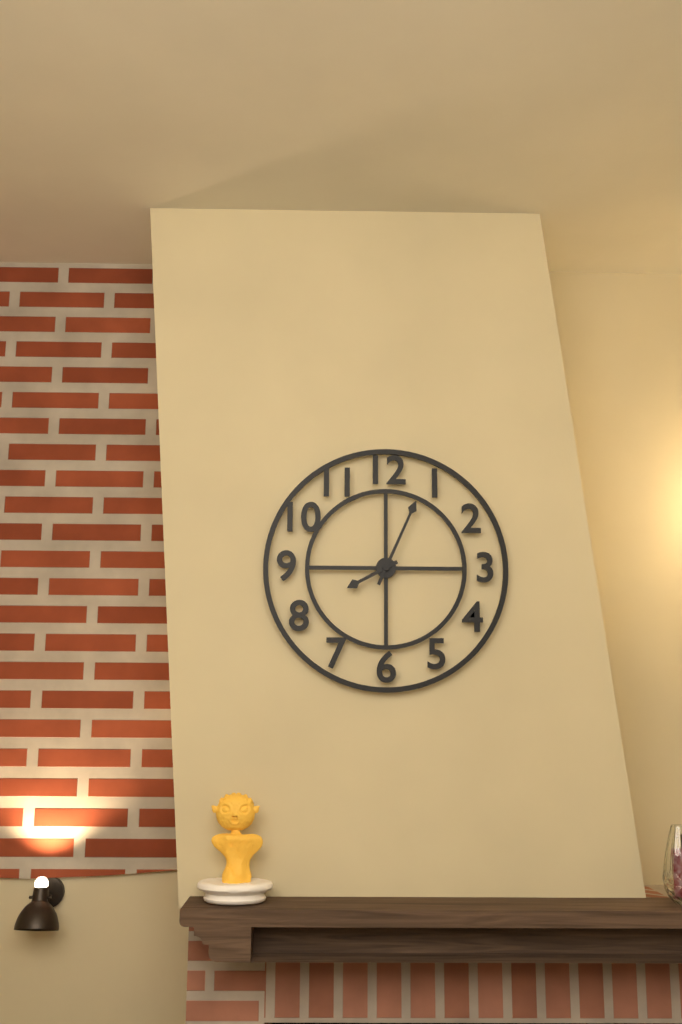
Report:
8:04
